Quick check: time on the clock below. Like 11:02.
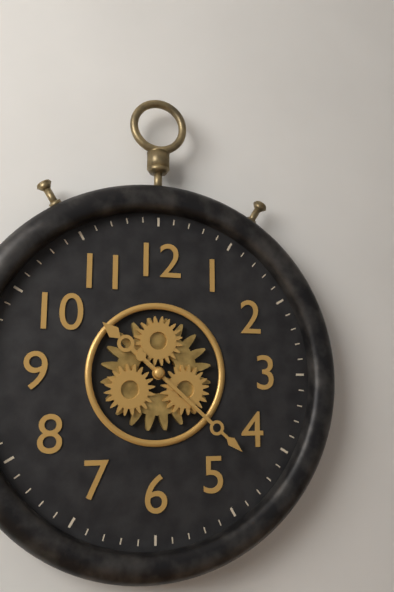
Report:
10:22
